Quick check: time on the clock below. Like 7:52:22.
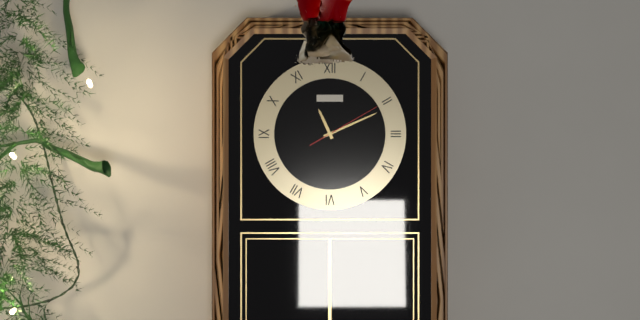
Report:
11:11:10
